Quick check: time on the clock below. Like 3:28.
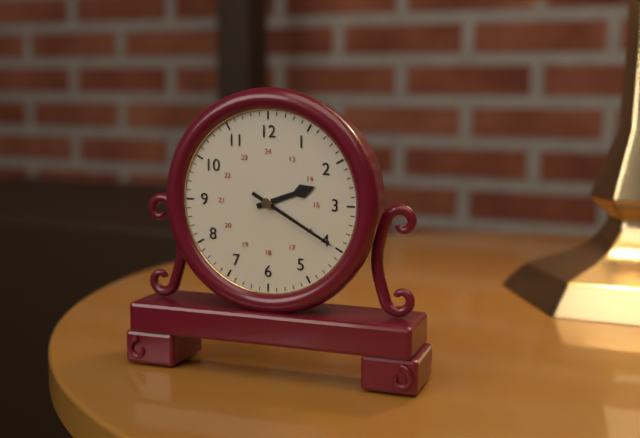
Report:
2:20
